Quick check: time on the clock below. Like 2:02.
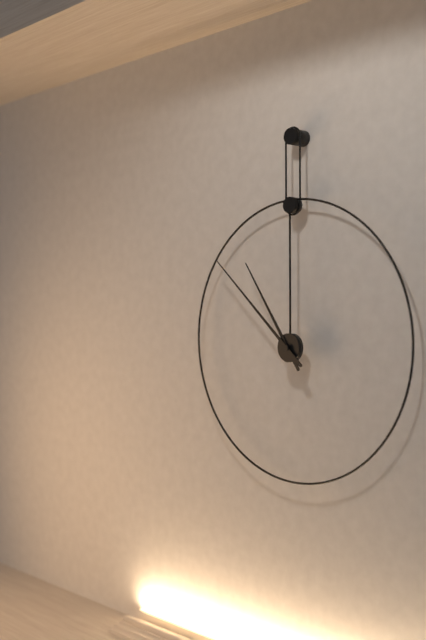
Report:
10:52
